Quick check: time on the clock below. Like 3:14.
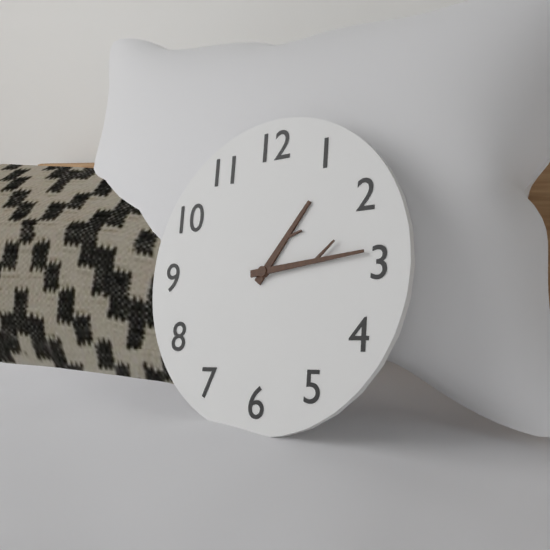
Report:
1:14
